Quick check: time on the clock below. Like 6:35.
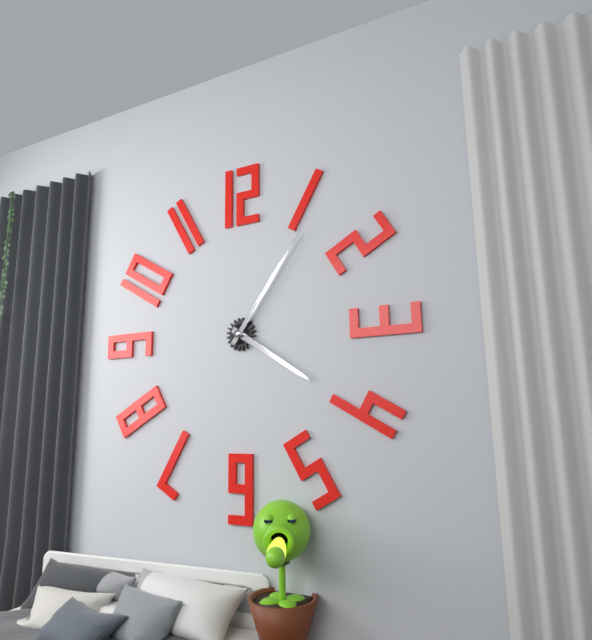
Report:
4:06
